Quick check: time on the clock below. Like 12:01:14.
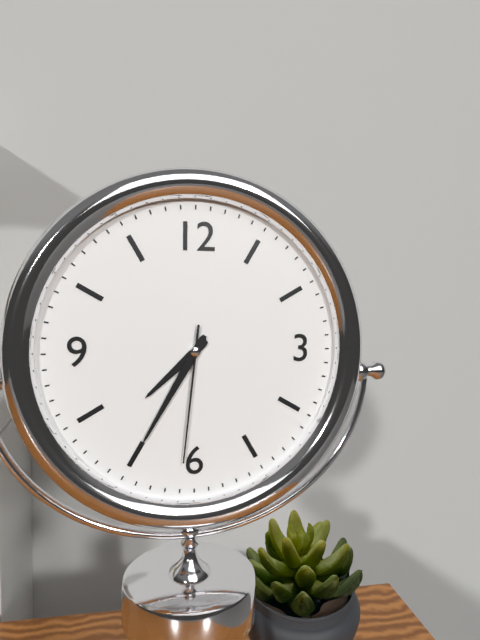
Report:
7:35:31
